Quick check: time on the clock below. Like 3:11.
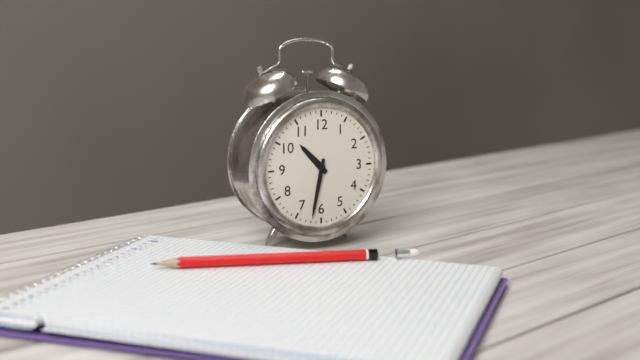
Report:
10:32
